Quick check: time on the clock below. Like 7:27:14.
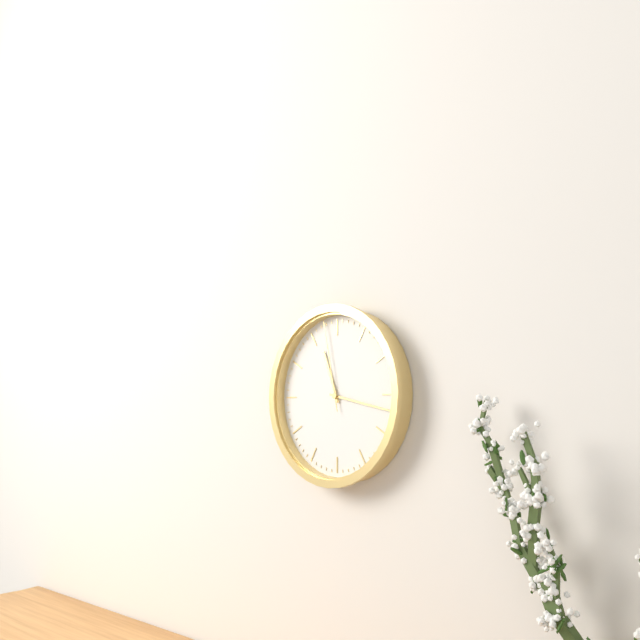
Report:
11:17:58
